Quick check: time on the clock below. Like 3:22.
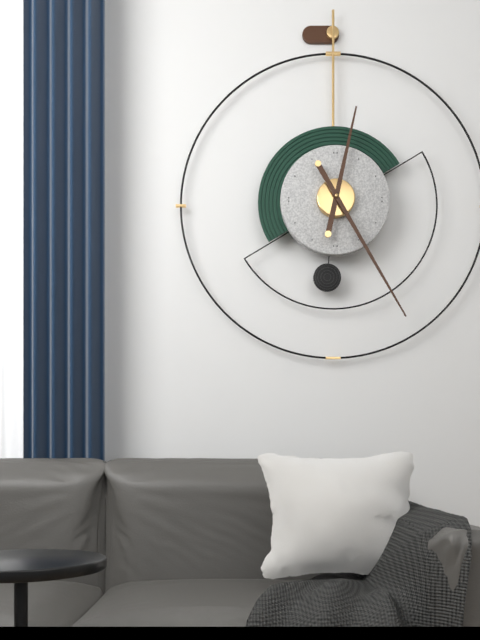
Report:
12:25
